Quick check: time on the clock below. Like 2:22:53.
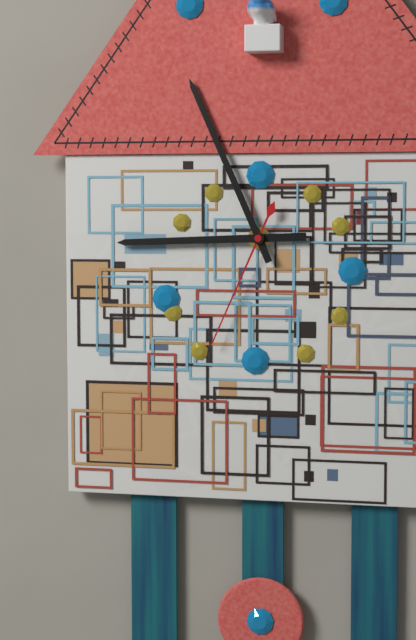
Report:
8:56:34
